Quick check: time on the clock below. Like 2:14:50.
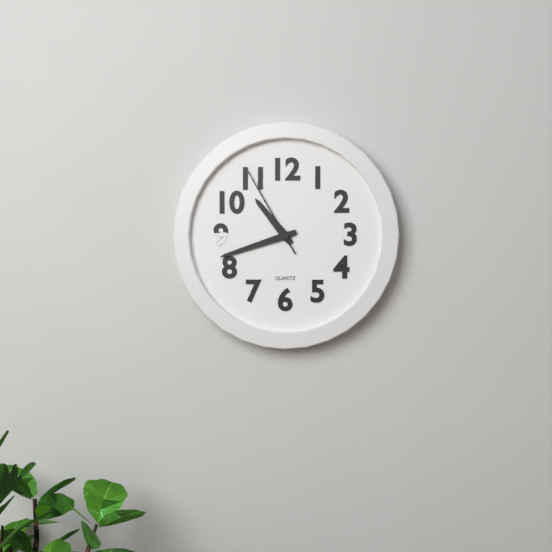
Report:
10:42:55
